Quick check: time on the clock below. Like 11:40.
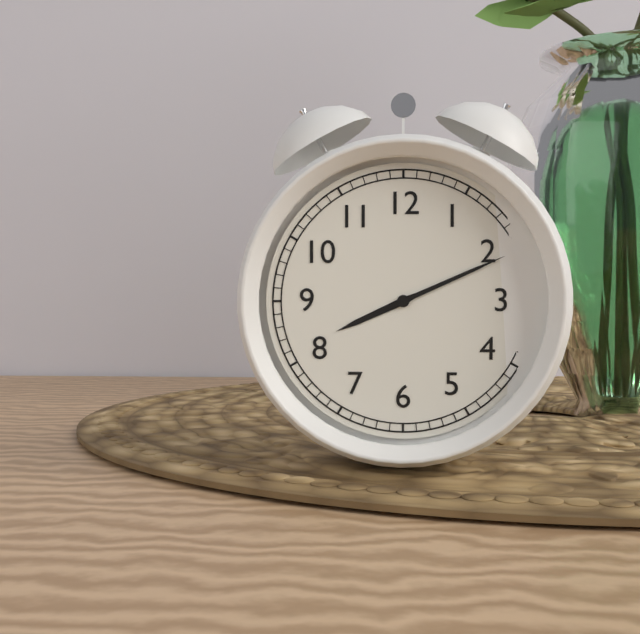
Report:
8:11
